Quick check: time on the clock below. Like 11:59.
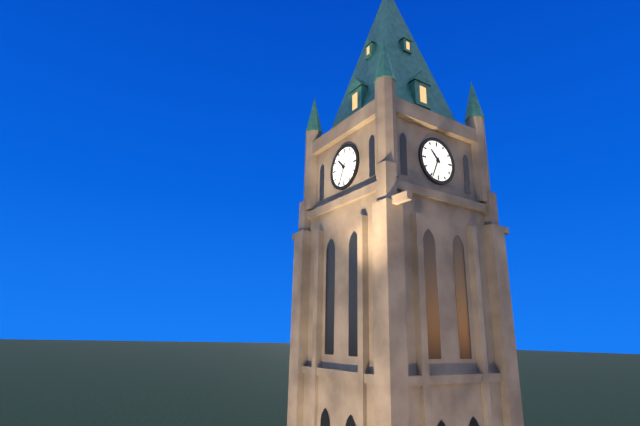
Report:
10:34
